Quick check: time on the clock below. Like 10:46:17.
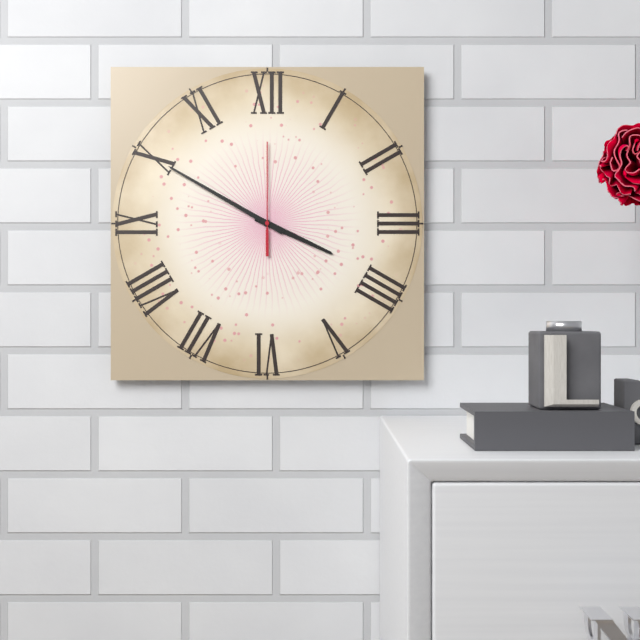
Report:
3:50:00
